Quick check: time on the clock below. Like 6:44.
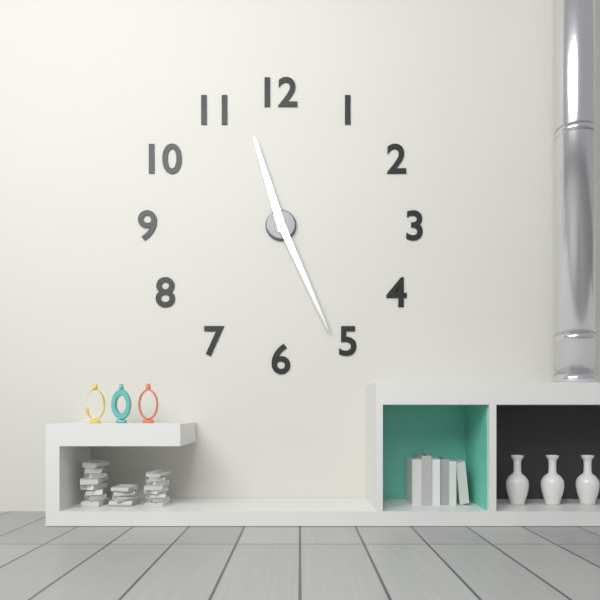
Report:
11:26
